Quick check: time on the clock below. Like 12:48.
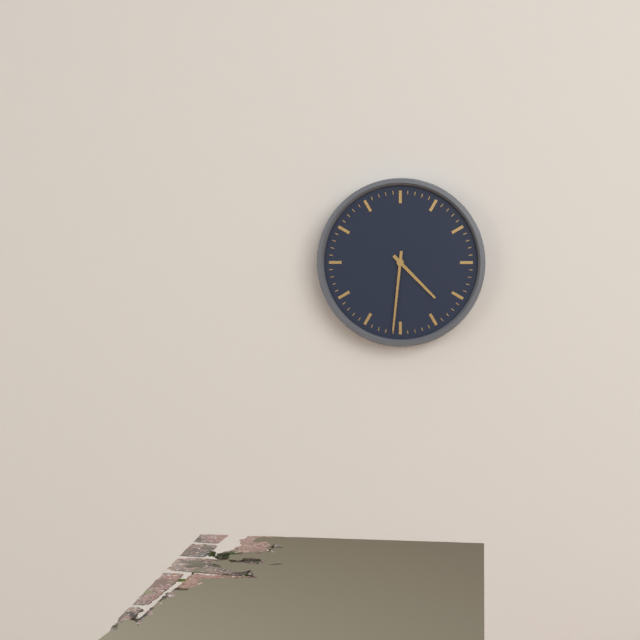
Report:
4:31
